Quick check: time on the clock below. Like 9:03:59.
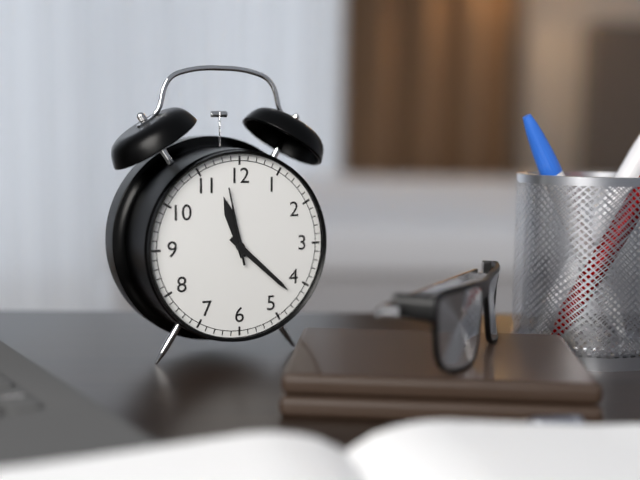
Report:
11:22:58
